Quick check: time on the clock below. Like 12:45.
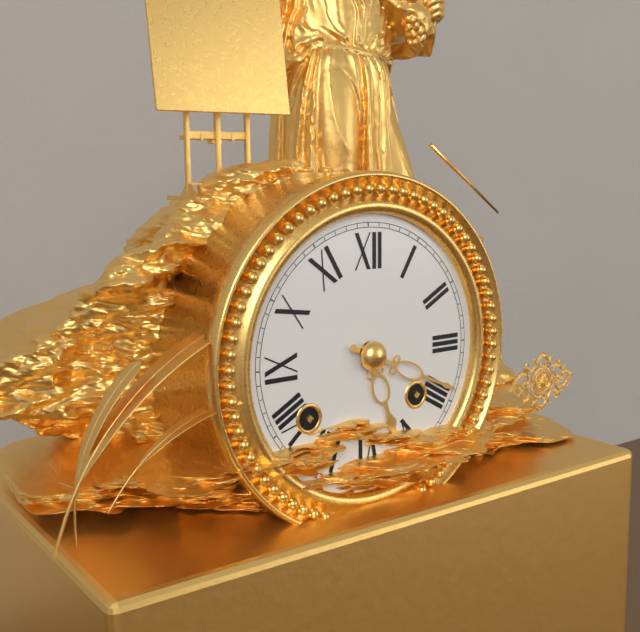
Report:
5:19
